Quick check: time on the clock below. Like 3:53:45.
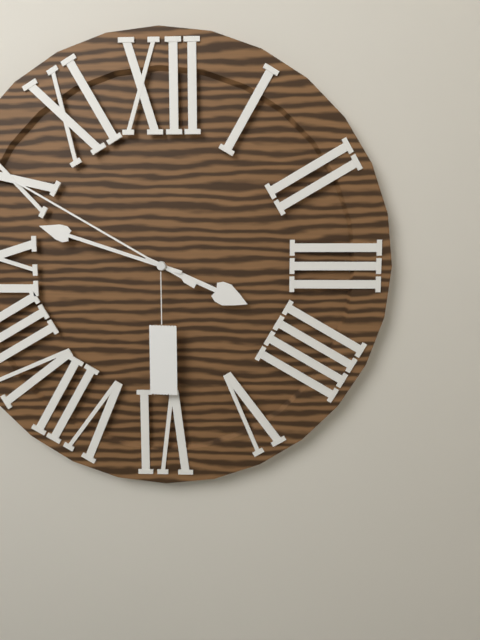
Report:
3:48:50
